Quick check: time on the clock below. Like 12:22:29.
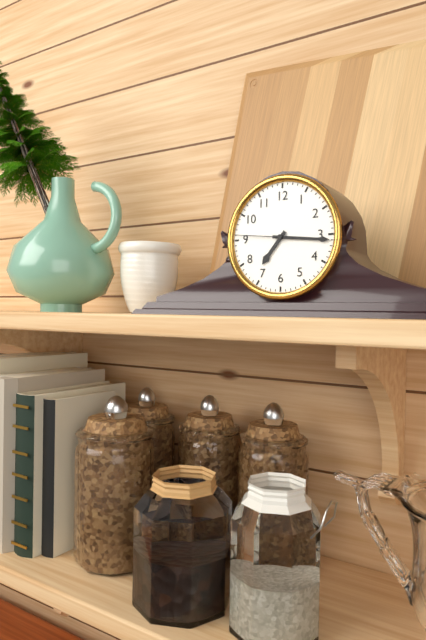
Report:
7:16:46
